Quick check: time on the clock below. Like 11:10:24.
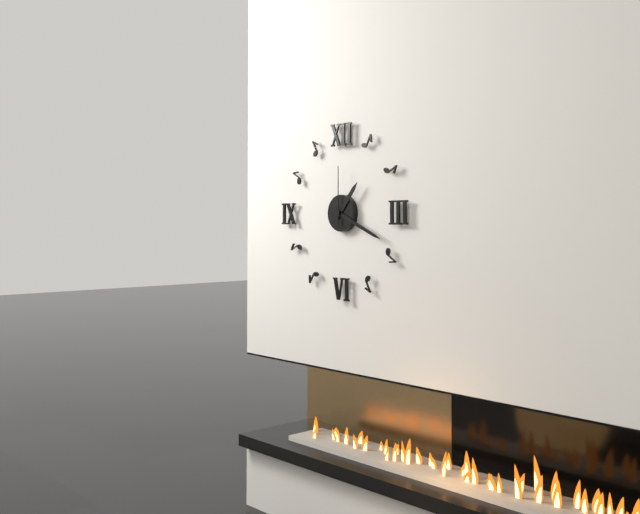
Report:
1:19:00
